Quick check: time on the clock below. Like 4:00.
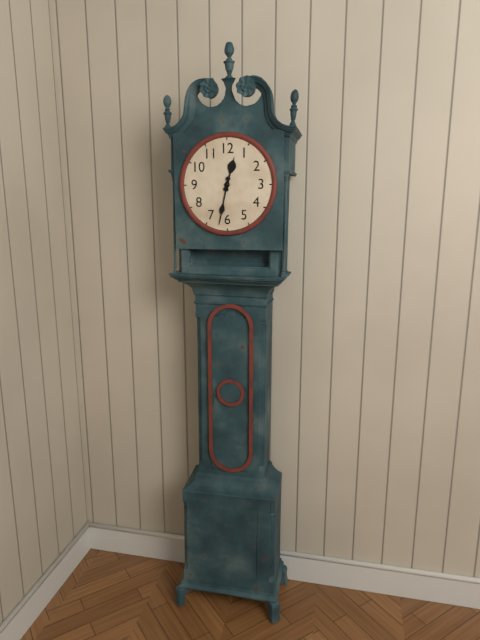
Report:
12:32
